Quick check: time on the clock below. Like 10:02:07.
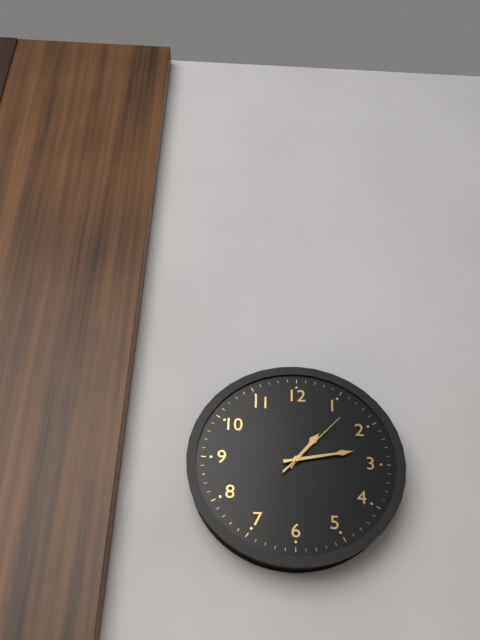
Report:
1:13:07
